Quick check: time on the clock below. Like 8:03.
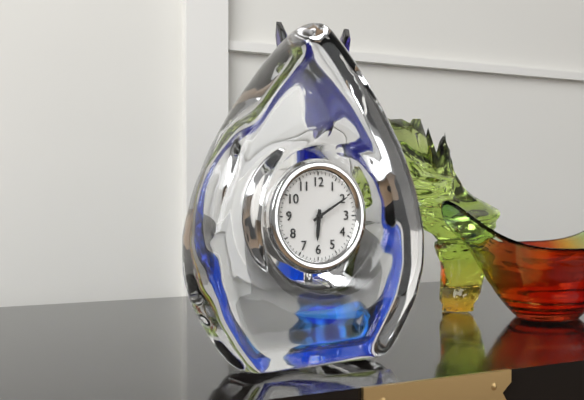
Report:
6:10
